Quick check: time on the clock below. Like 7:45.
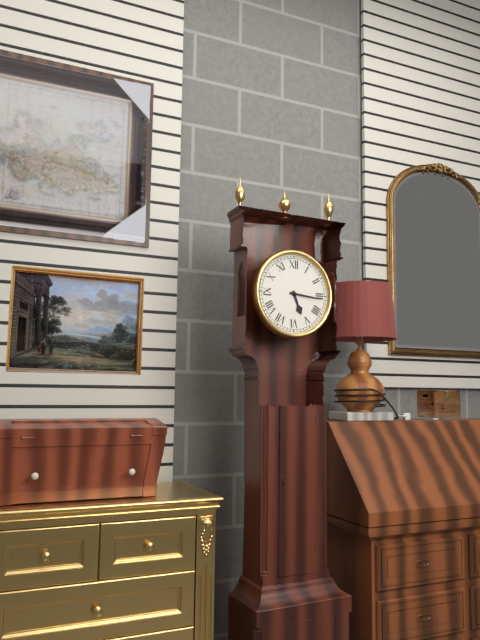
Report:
5:16
